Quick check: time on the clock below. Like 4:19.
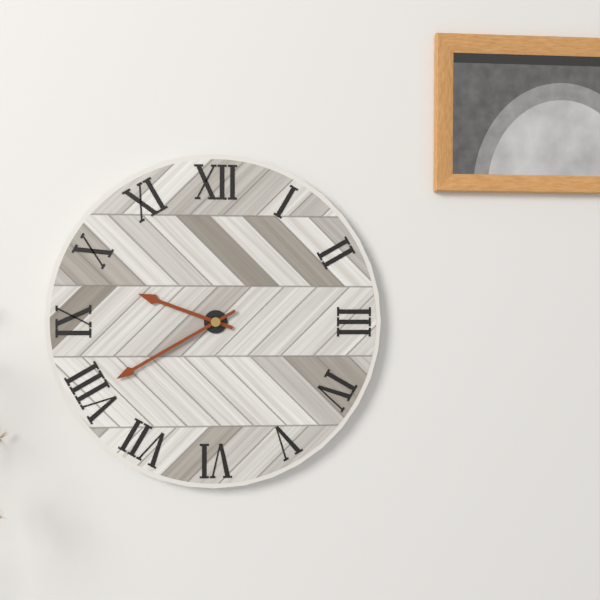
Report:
9:40
